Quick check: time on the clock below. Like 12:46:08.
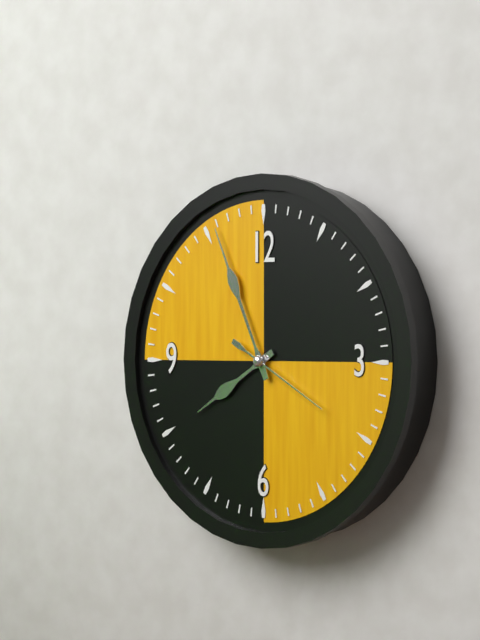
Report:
7:56:20
